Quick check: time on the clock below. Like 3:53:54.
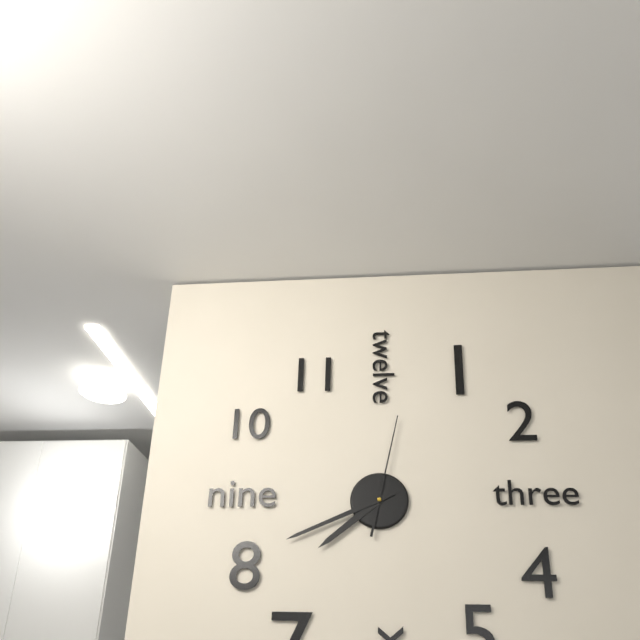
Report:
7:41:02
